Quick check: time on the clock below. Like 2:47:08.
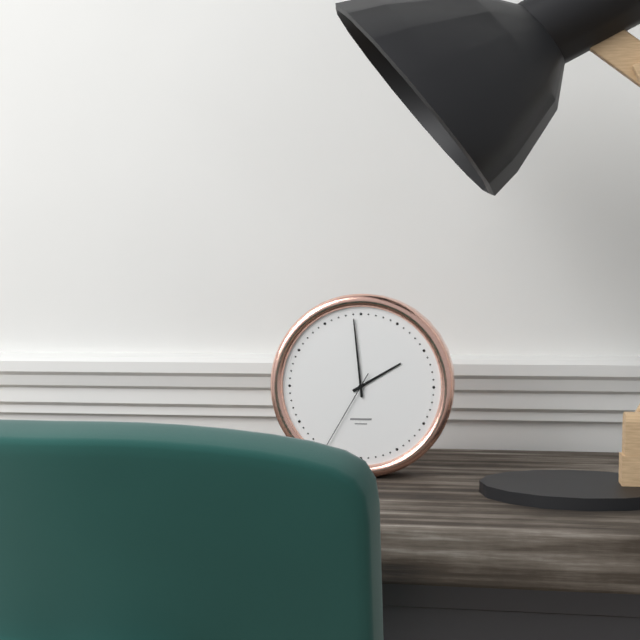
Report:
1:59:35
